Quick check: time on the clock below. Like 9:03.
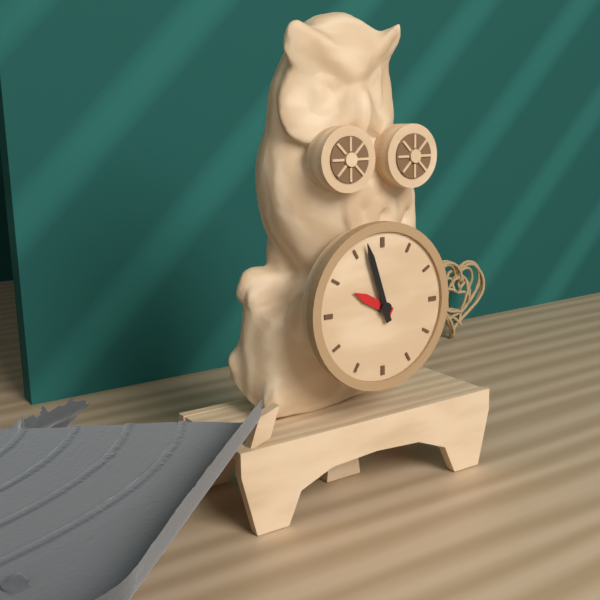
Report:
9:57
